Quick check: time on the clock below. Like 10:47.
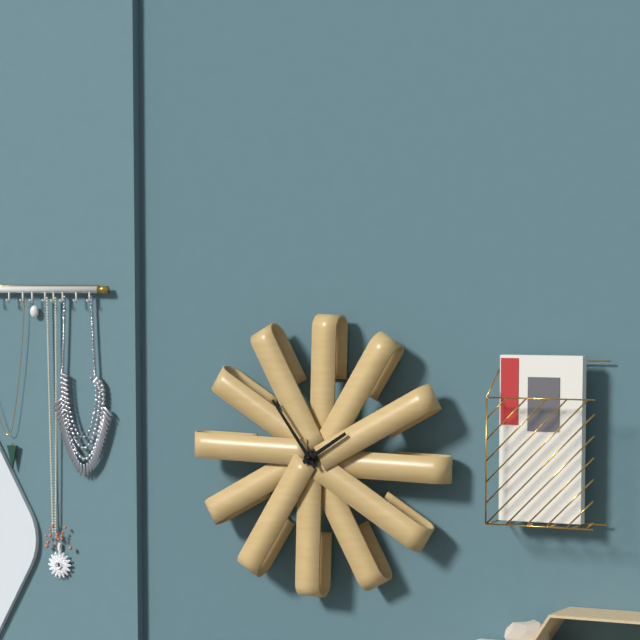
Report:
1:54
